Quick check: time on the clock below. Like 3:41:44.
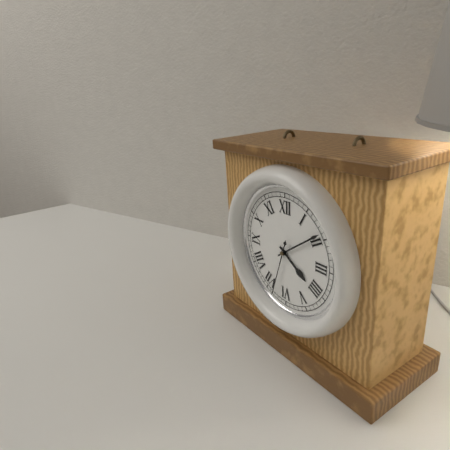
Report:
4:09:33
